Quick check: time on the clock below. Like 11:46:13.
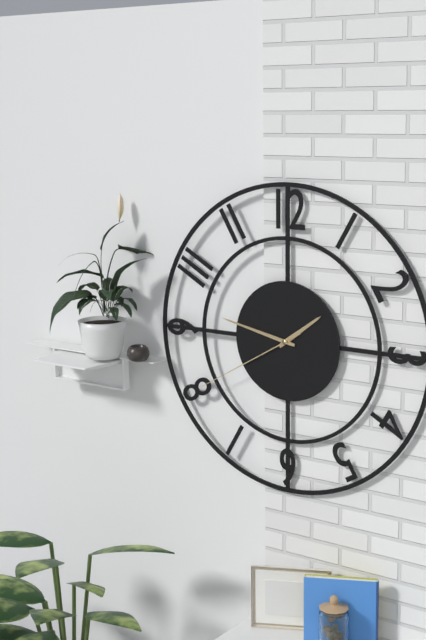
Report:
1:47:40
